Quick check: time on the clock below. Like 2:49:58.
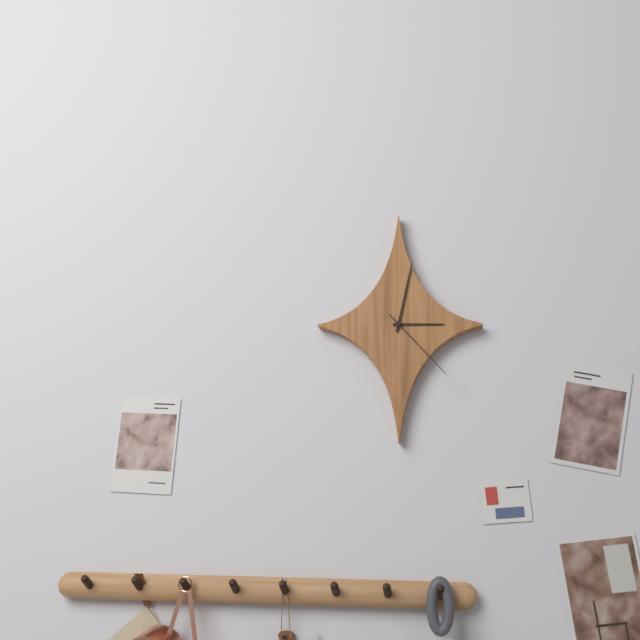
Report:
3:02:23
